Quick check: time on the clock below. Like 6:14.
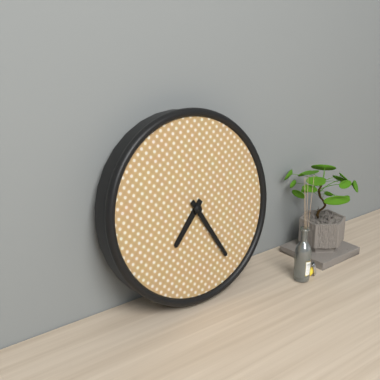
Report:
7:25
